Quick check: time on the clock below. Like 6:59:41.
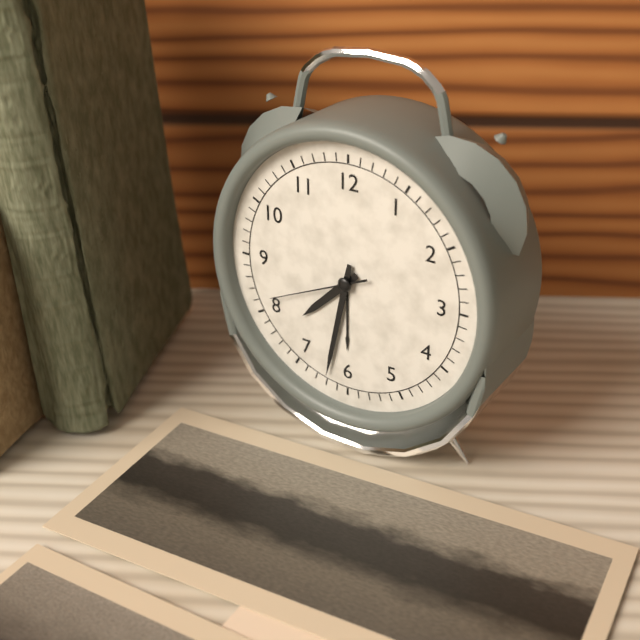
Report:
7:32:41
